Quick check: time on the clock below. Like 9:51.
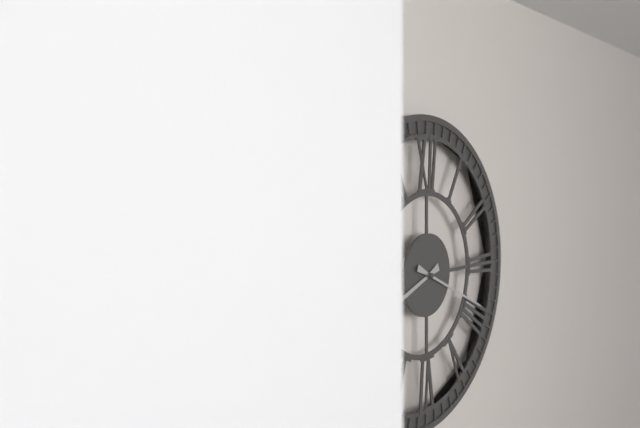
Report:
8:19
